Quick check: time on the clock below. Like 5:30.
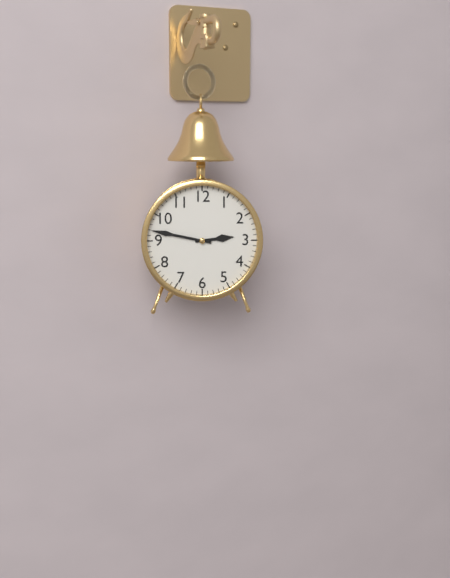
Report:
2:47
